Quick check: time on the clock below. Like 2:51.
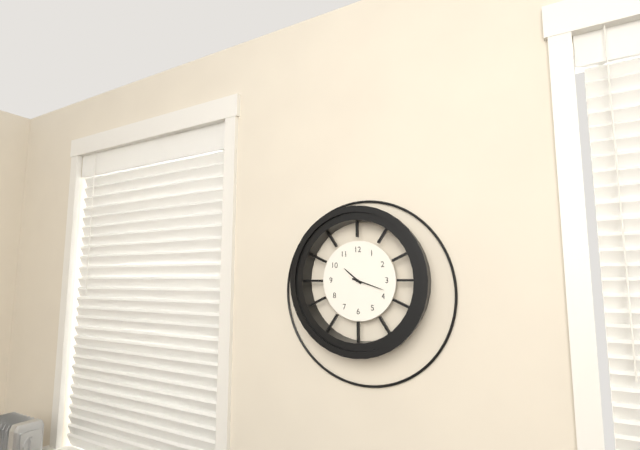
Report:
10:18
